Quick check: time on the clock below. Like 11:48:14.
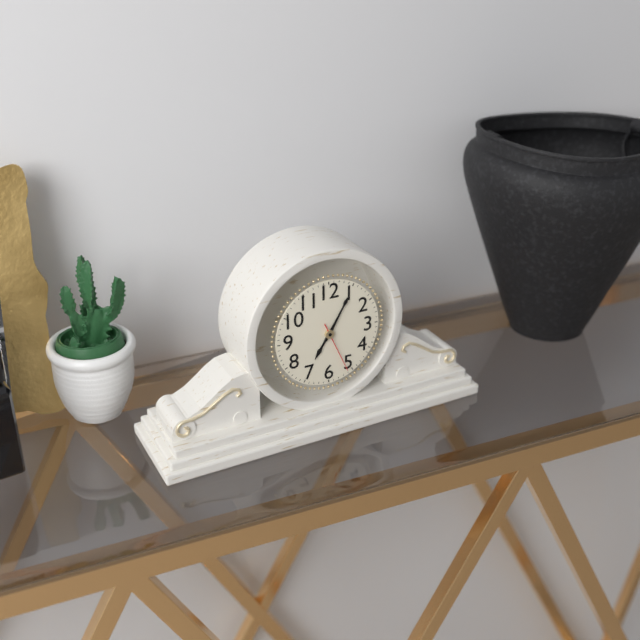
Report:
7:05:26
